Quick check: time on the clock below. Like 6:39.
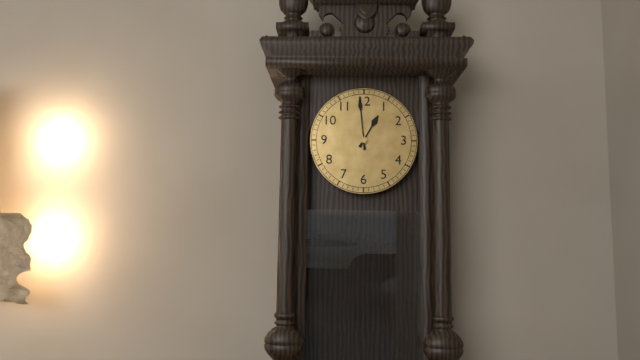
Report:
12:59
